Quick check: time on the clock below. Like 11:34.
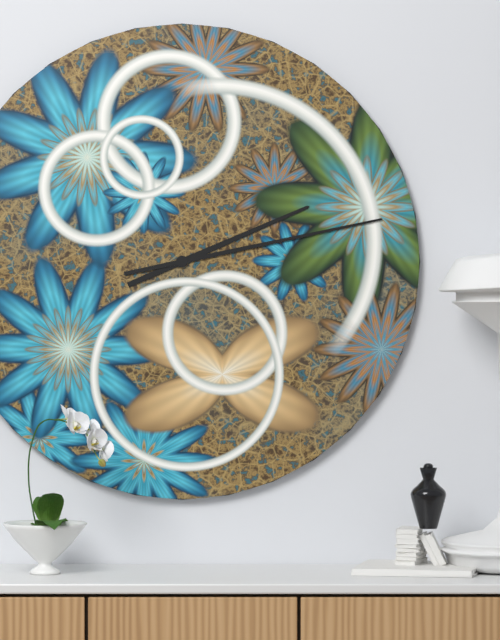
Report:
2:13
